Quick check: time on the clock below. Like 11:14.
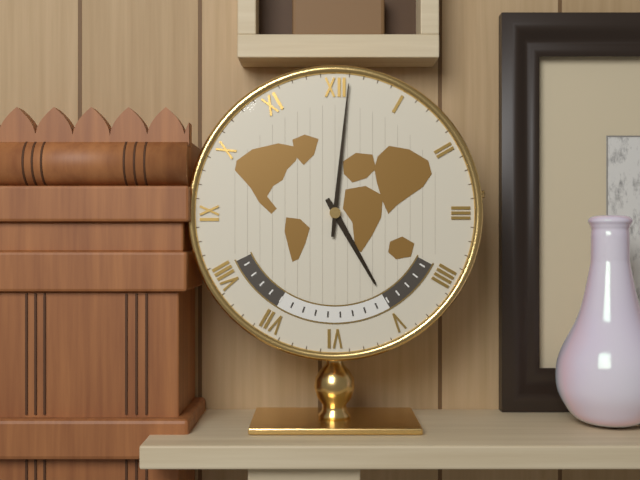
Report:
5:01
